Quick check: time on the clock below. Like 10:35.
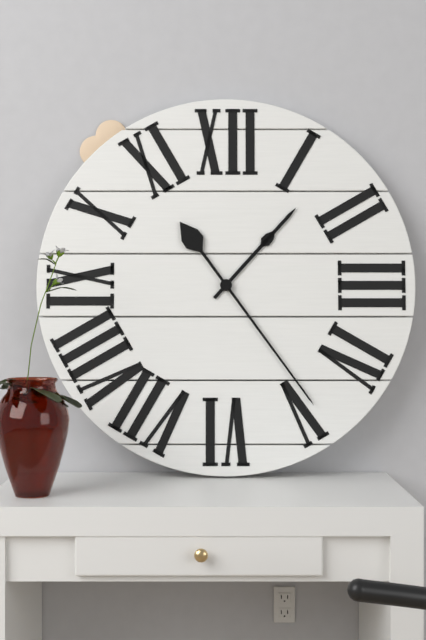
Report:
1:24
